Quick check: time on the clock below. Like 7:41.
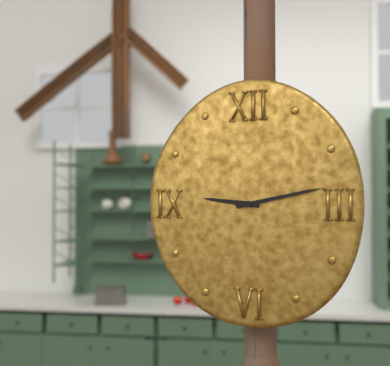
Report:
9:13
